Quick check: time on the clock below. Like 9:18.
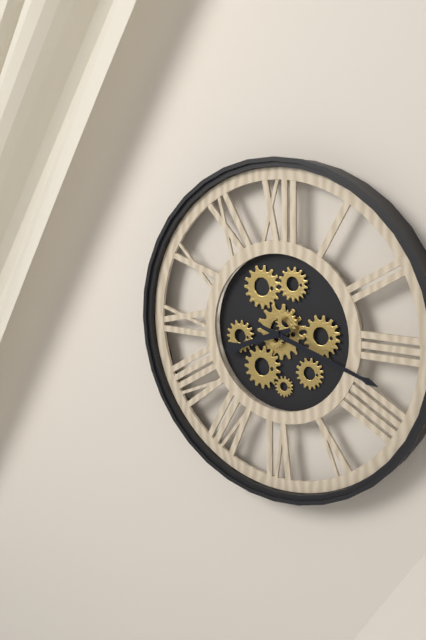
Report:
8:18
